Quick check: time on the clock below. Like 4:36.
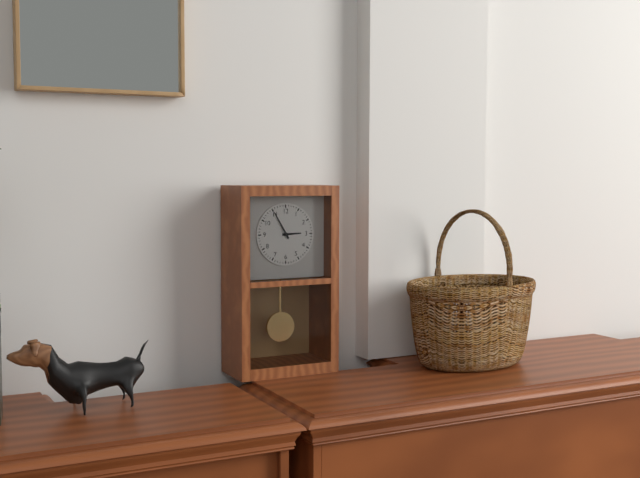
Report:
2:55
